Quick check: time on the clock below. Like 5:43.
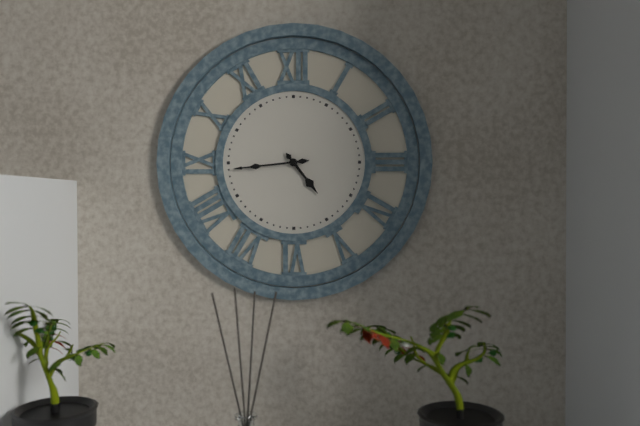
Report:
4:44
